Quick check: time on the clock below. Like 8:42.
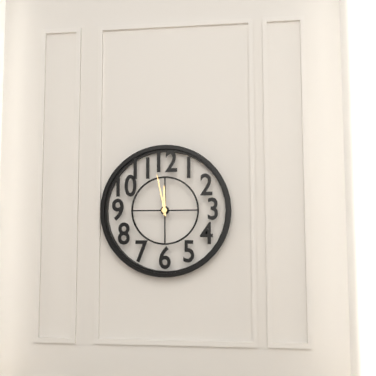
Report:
11:58
